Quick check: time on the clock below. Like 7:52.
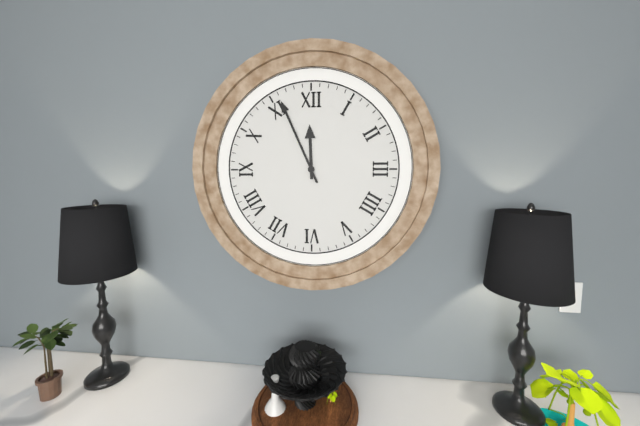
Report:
11:56
